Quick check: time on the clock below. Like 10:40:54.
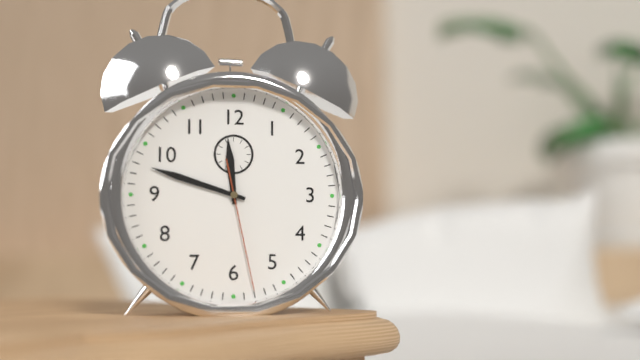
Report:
11:48:28
